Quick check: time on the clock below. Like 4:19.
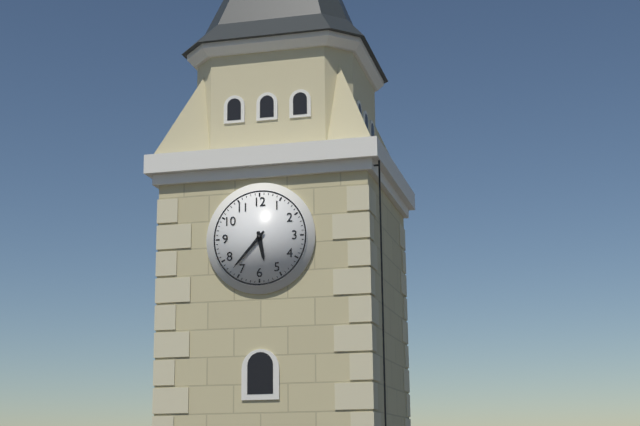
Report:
5:37
